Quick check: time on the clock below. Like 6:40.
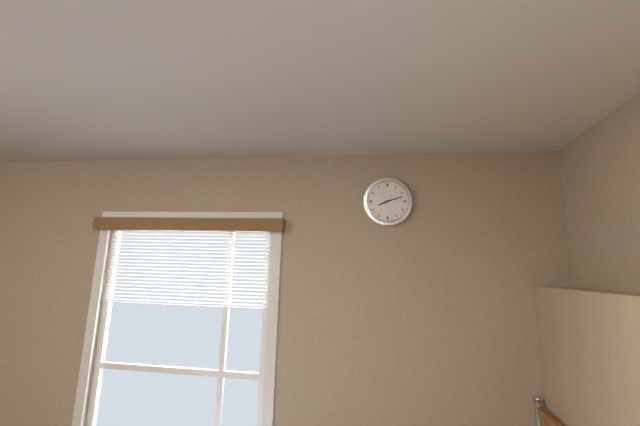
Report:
8:12
